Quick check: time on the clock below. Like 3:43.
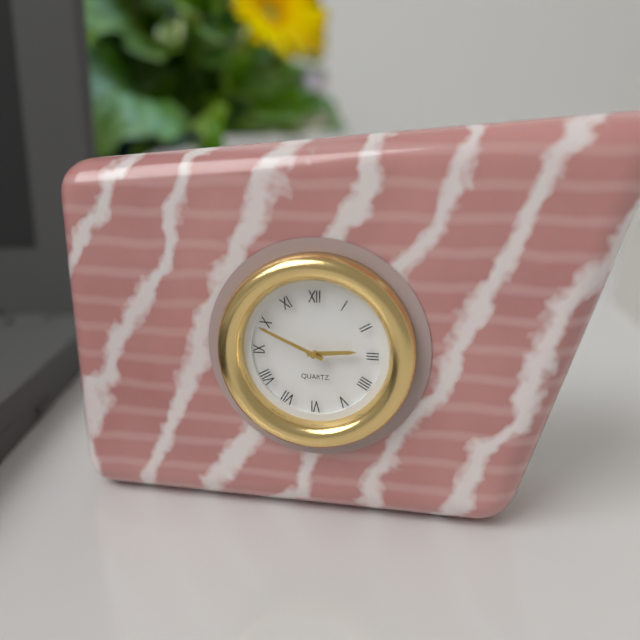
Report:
2:49
